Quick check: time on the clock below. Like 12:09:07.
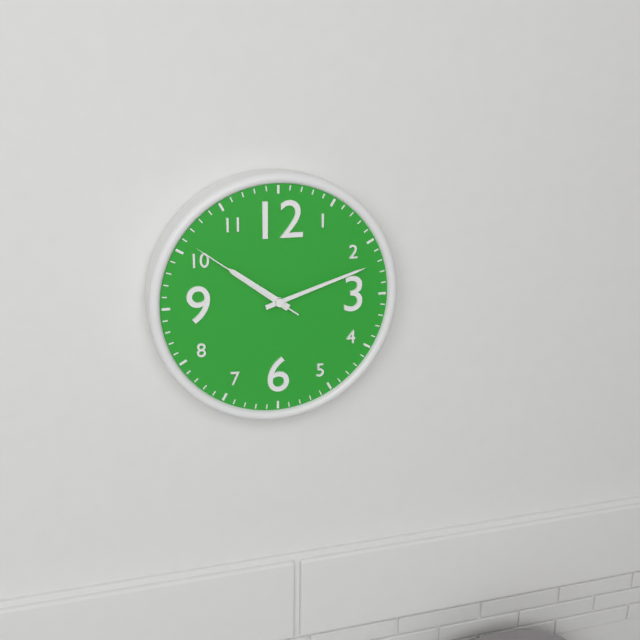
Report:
10:12:51
